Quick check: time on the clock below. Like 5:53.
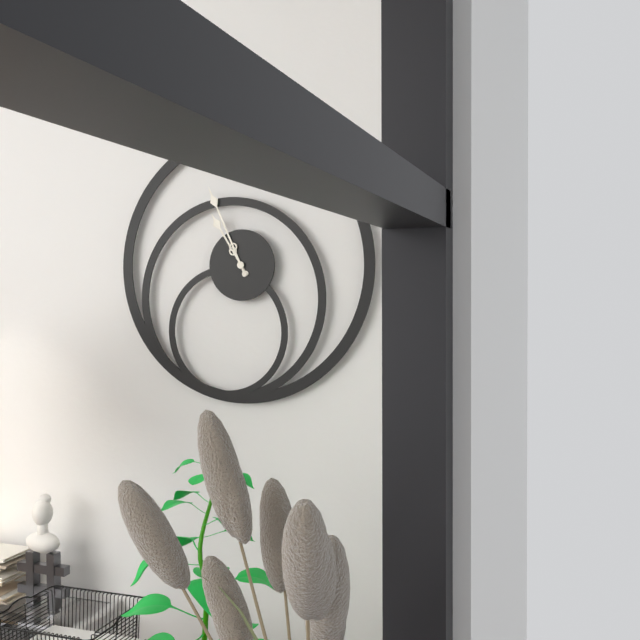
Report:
10:56
